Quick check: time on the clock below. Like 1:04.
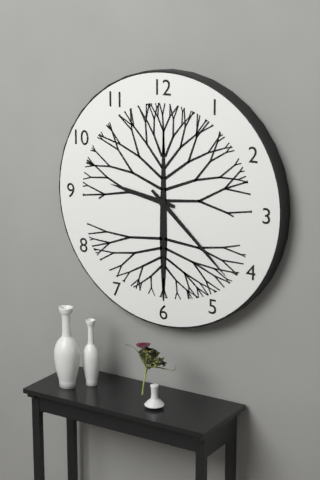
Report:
9:22
